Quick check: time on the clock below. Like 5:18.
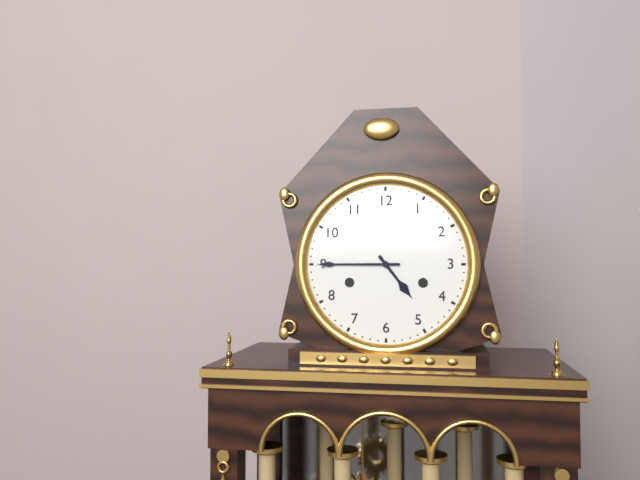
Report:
4:45
